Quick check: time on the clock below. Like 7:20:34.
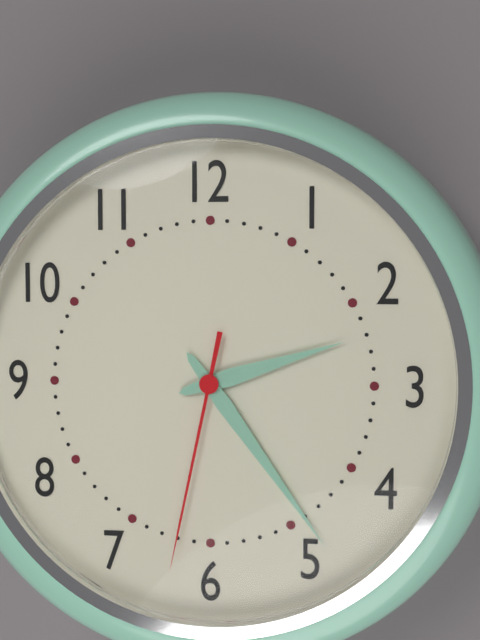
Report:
2:24:32
